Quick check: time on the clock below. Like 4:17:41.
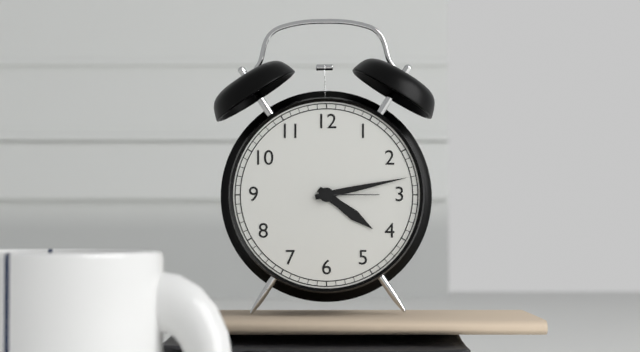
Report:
4:13:15
